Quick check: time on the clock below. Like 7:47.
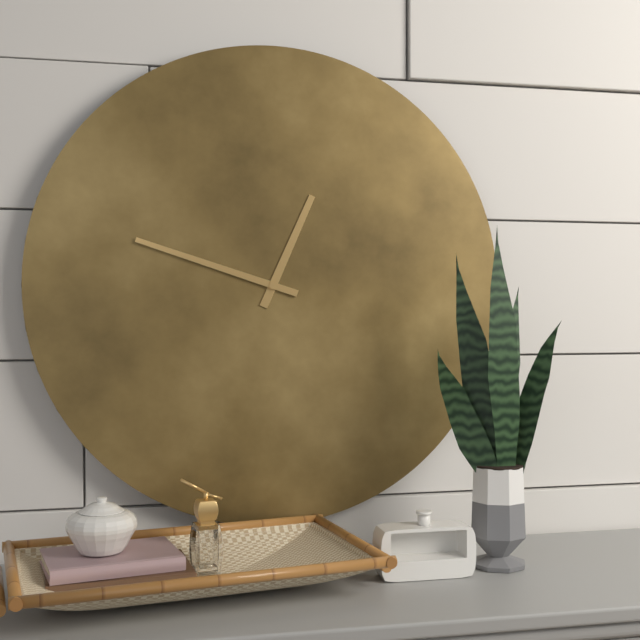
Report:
12:48
